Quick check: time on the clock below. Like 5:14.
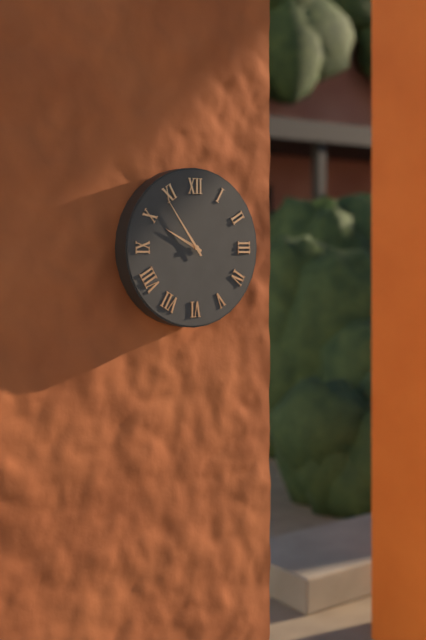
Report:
9:54
